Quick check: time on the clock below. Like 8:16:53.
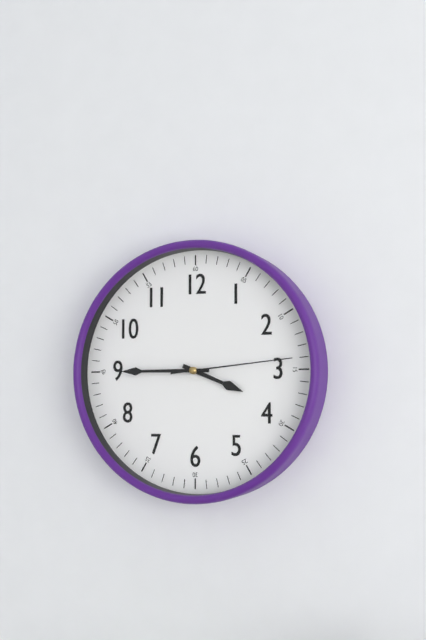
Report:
3:45:14
